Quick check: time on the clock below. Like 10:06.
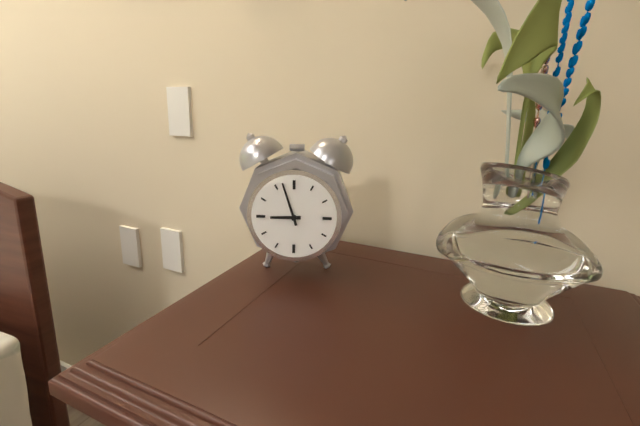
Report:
8:57
